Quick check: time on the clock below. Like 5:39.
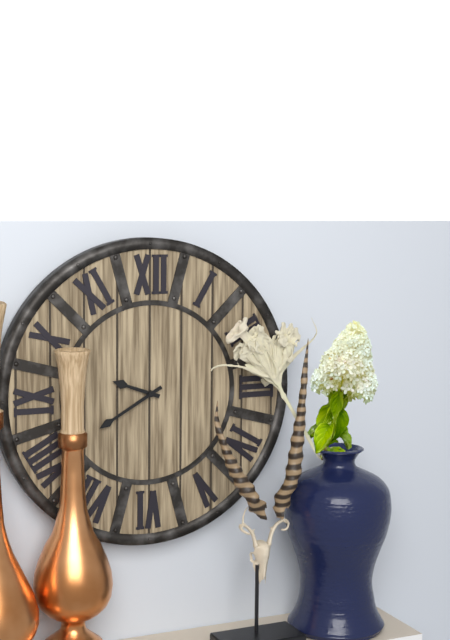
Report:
9:40
